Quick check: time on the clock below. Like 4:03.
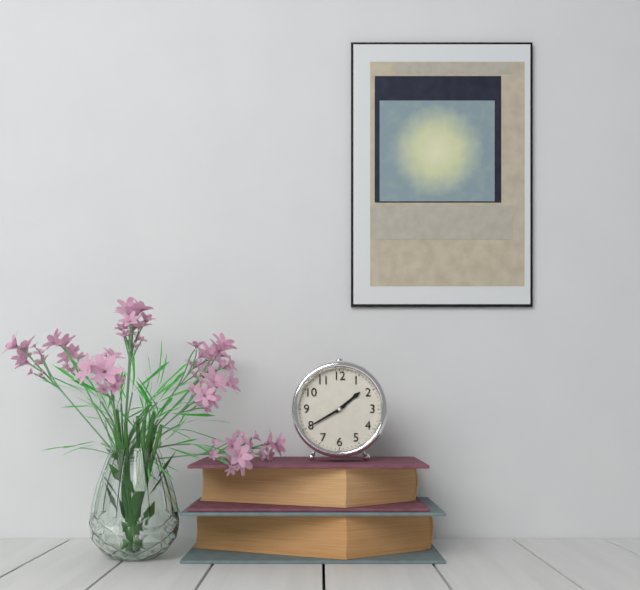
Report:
1:40
